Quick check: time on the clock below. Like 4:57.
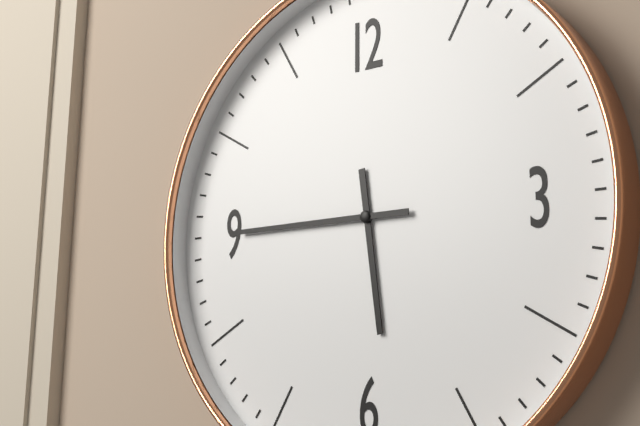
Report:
5:45
